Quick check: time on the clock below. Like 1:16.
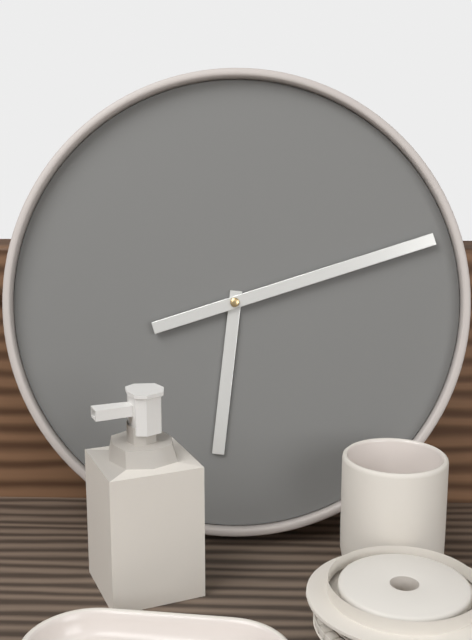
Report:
6:12
